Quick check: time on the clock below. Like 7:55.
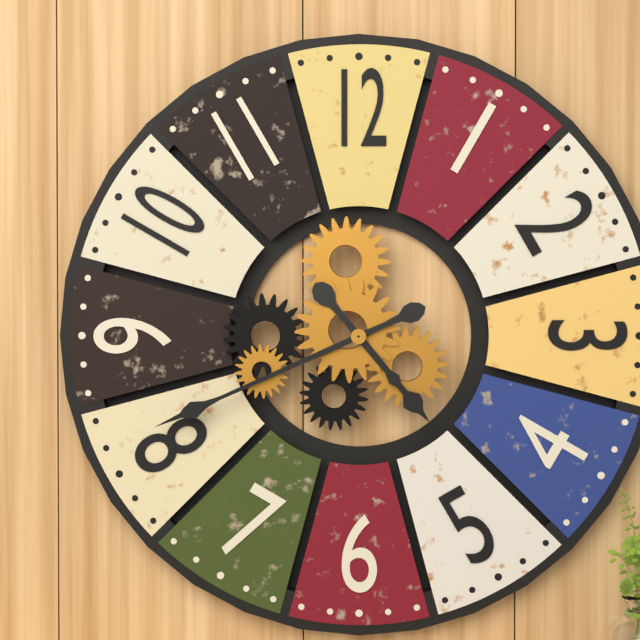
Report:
4:41
